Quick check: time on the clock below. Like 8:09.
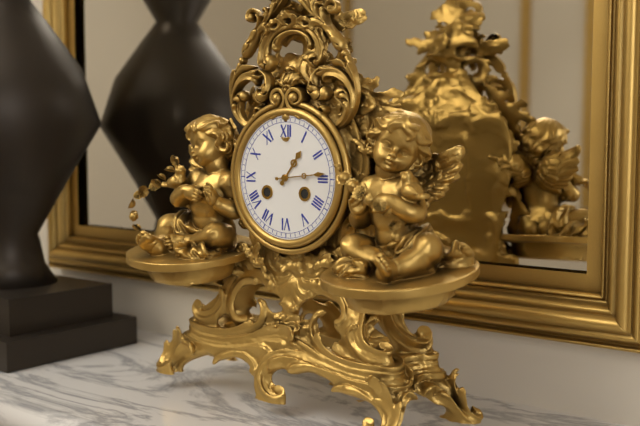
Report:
1:14
